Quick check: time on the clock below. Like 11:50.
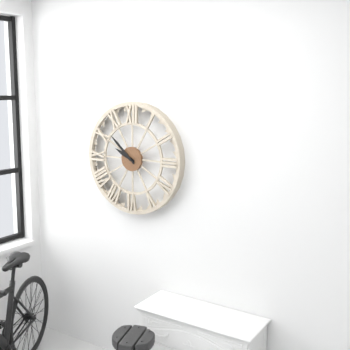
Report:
9:52
